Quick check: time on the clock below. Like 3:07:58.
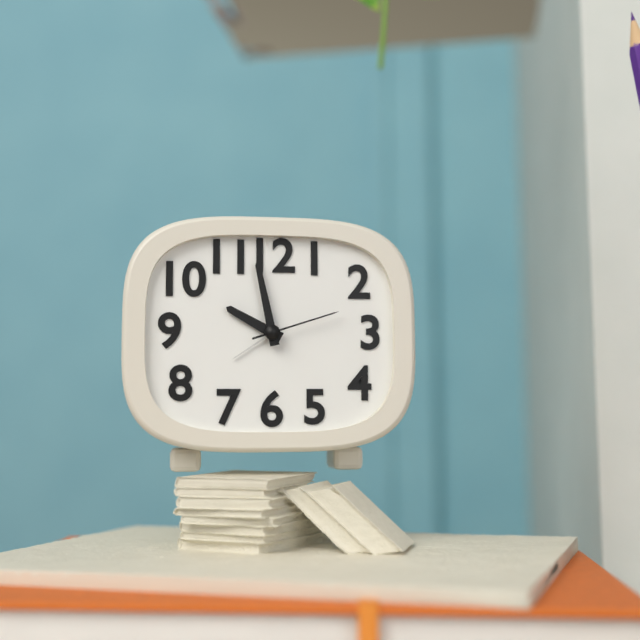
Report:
9:58:12
